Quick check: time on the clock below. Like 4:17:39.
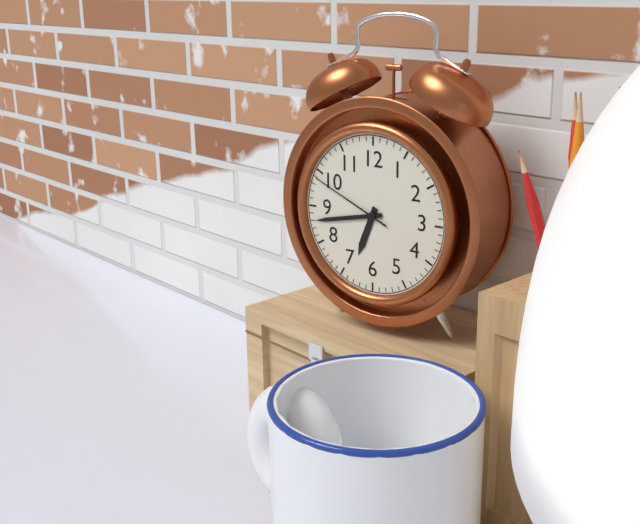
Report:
6:43:49
